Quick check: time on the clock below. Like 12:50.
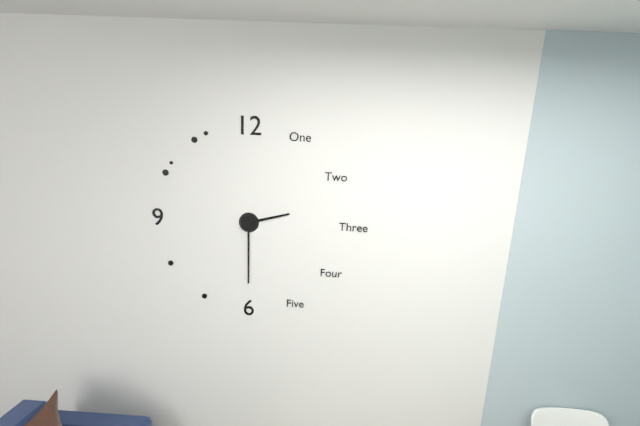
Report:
2:30
